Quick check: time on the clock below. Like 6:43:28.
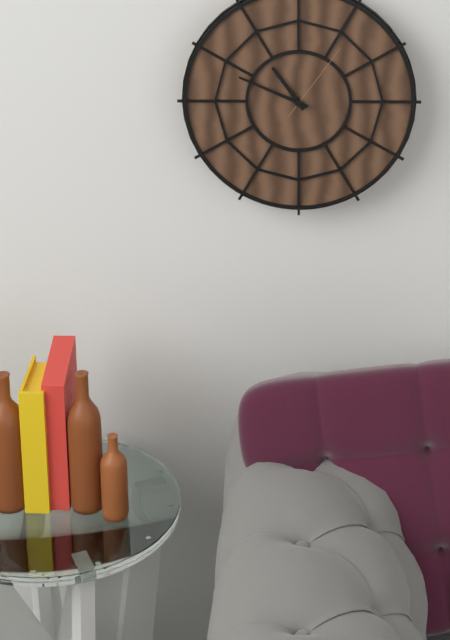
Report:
10:49:06
